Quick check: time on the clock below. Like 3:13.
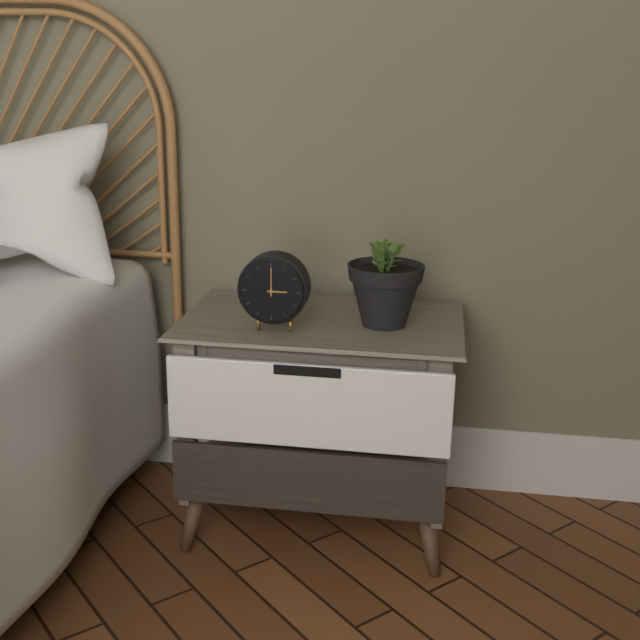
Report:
3:00
